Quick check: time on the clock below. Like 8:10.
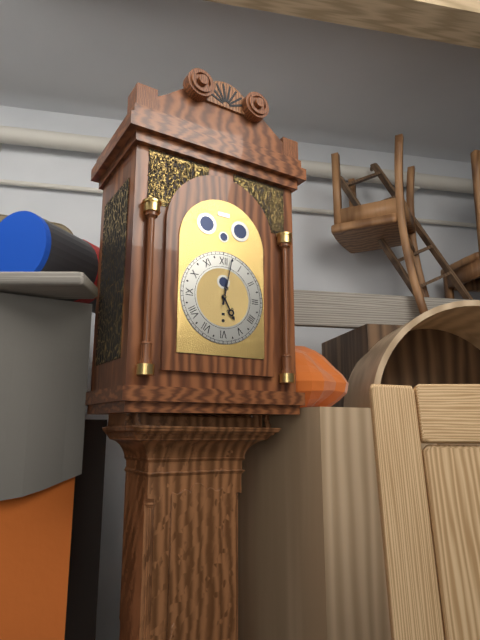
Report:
5:02
